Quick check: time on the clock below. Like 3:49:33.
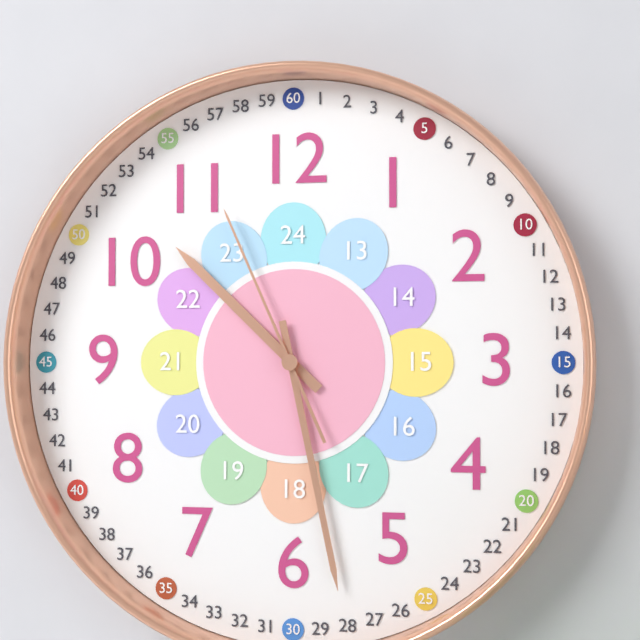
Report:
10:28:56
